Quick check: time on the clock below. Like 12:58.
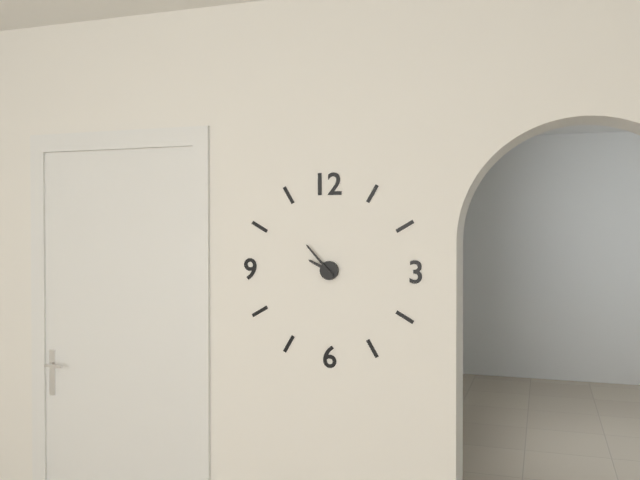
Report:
9:53
